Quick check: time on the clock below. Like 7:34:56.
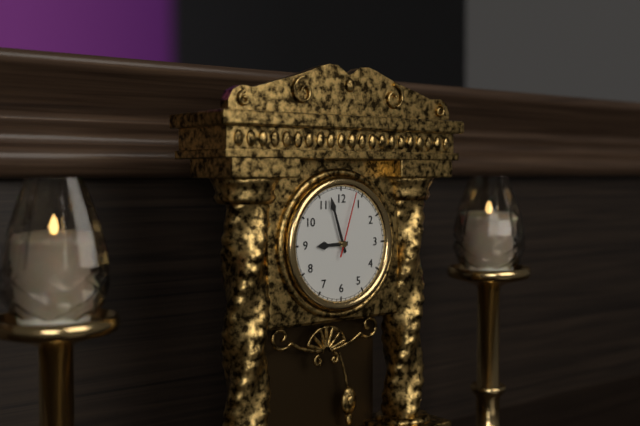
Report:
8:57:03
